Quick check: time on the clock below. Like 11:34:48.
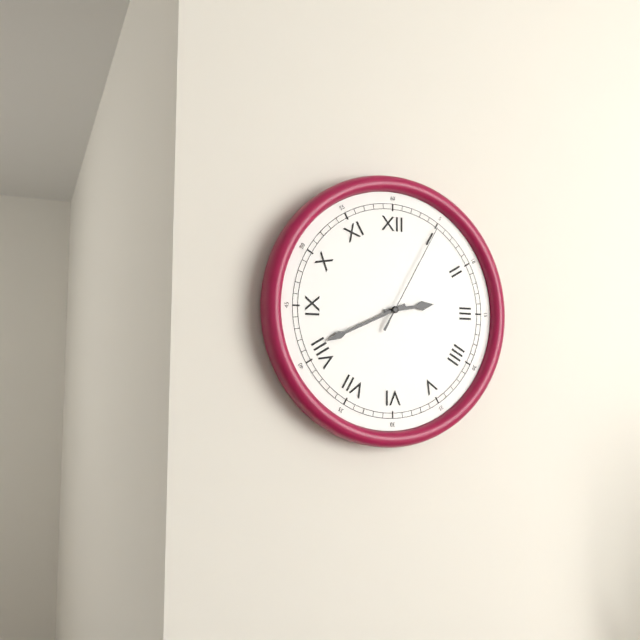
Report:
2:41:05
